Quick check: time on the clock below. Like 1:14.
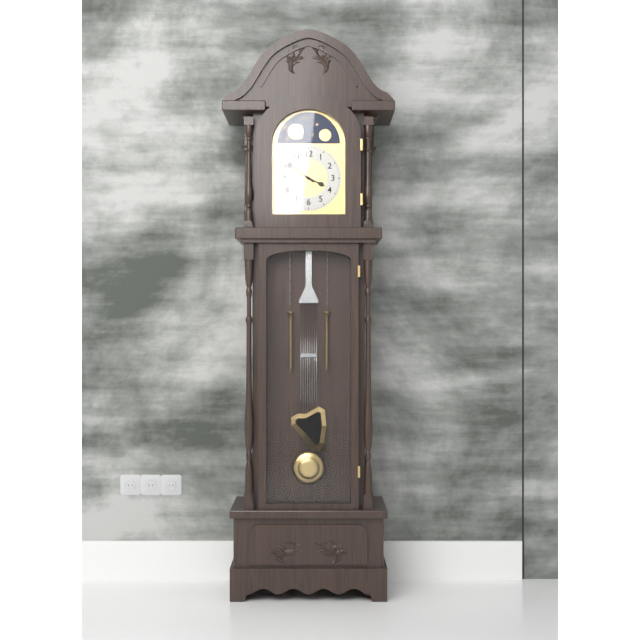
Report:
3:51
